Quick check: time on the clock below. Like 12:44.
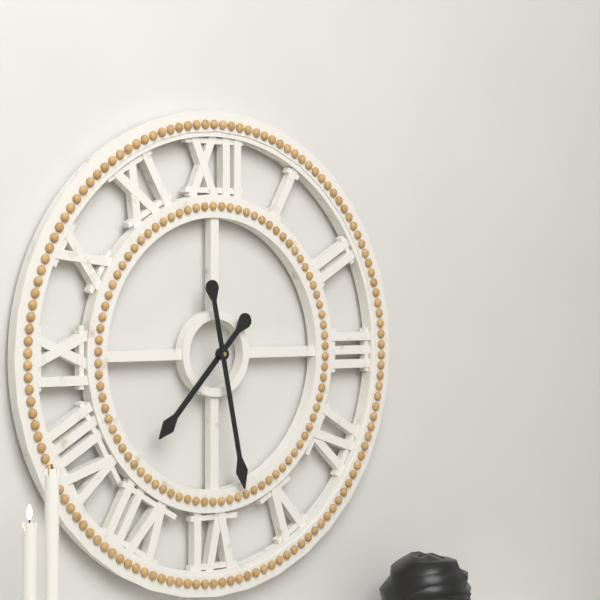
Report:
7:28
